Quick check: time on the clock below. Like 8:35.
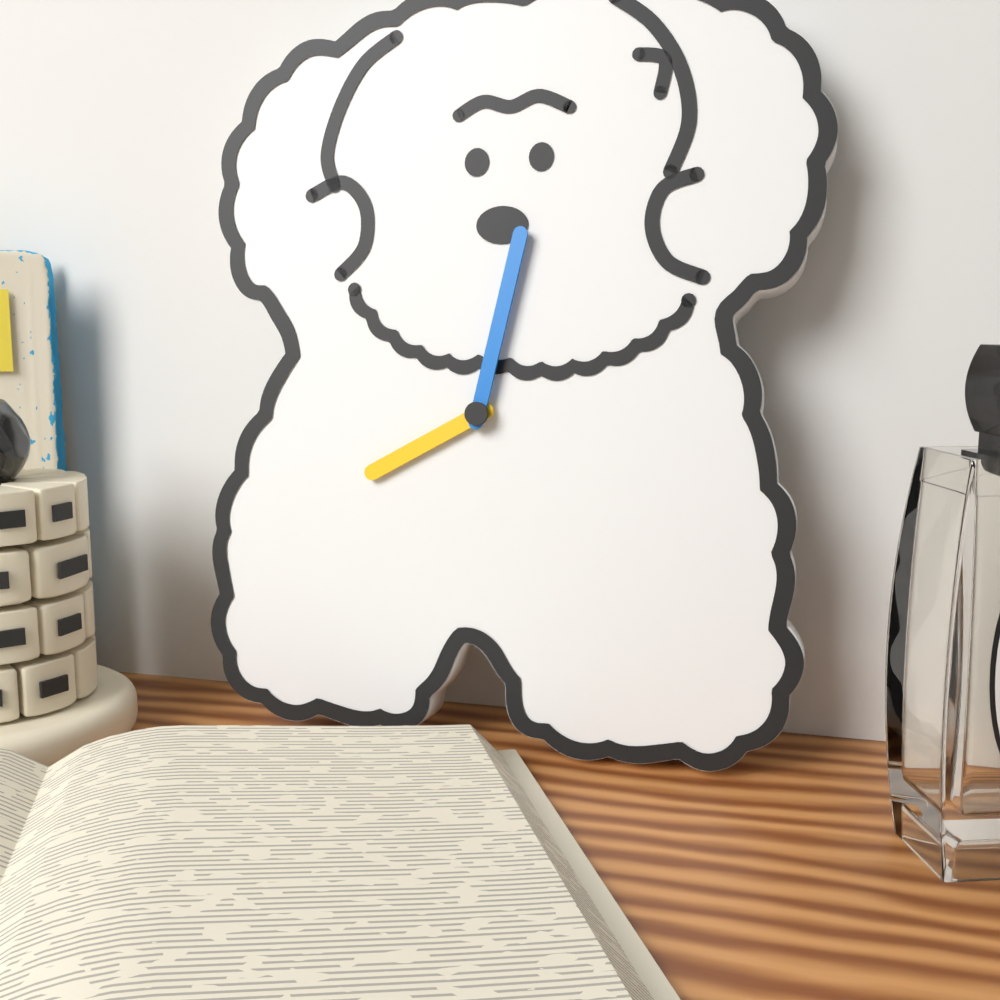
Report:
8:02
